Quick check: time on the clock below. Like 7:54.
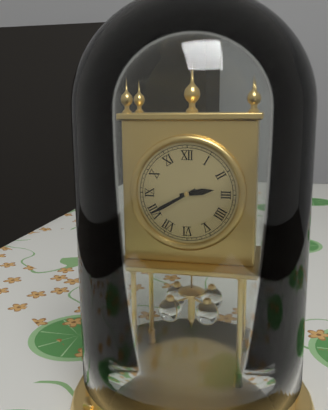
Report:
2:40
